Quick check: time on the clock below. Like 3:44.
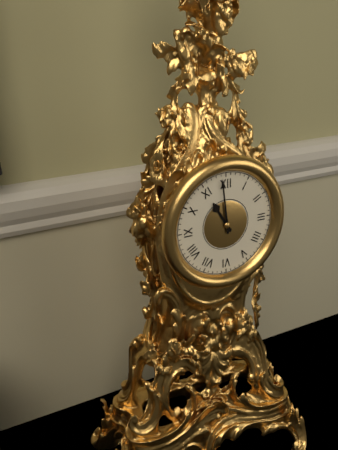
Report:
10:59
